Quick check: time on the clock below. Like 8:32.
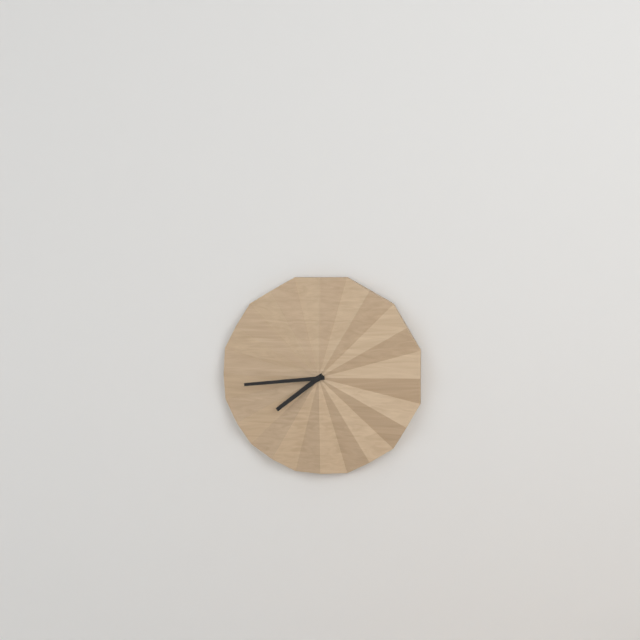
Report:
7:44
